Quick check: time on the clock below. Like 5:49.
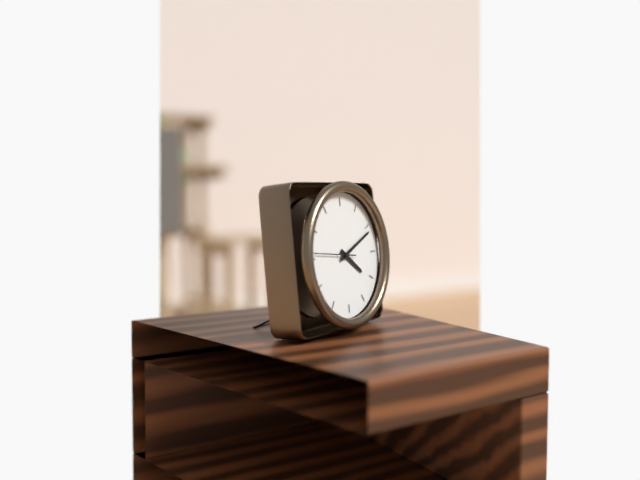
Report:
4:11
